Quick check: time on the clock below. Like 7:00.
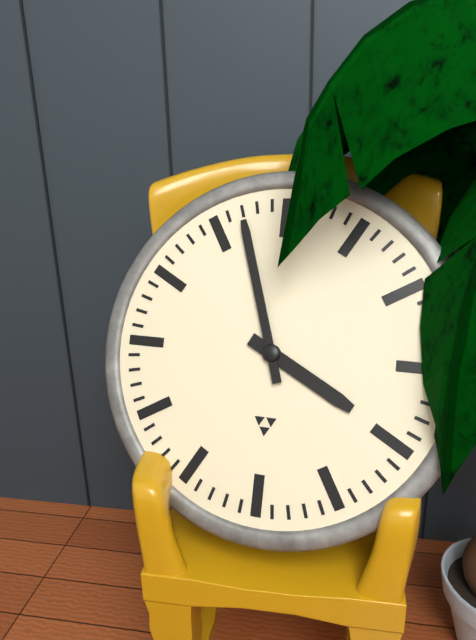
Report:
3:57
